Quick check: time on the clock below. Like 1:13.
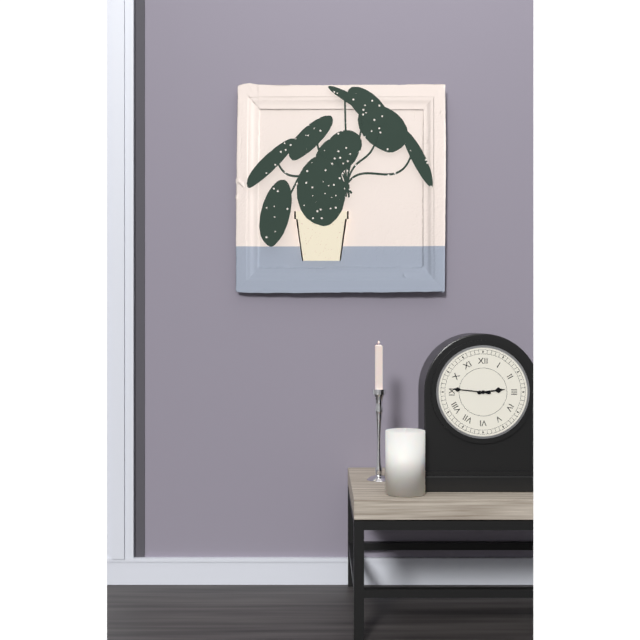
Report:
2:46
